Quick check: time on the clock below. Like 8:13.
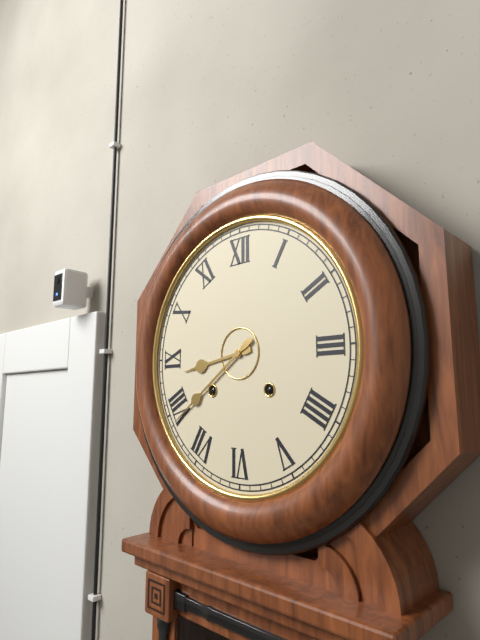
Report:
8:39
